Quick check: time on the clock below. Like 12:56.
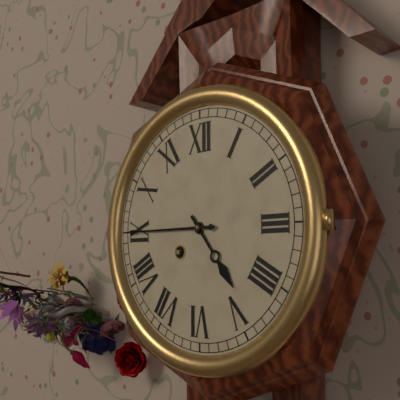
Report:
4:45
